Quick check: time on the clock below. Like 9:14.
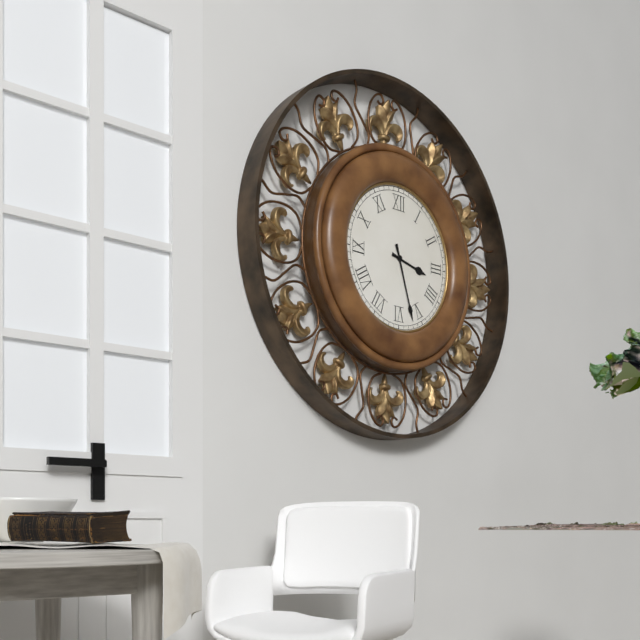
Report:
3:27
